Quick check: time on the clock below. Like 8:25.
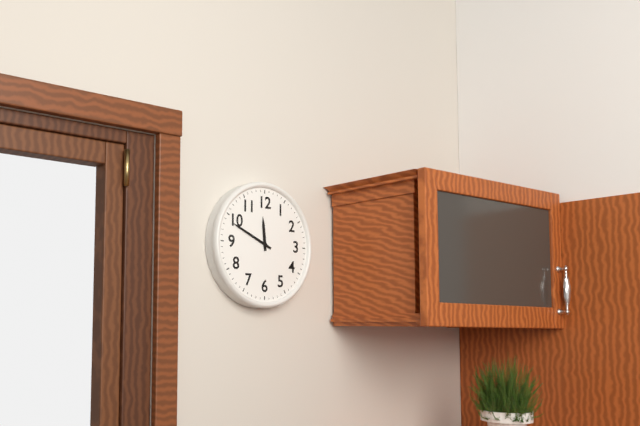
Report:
11:49
